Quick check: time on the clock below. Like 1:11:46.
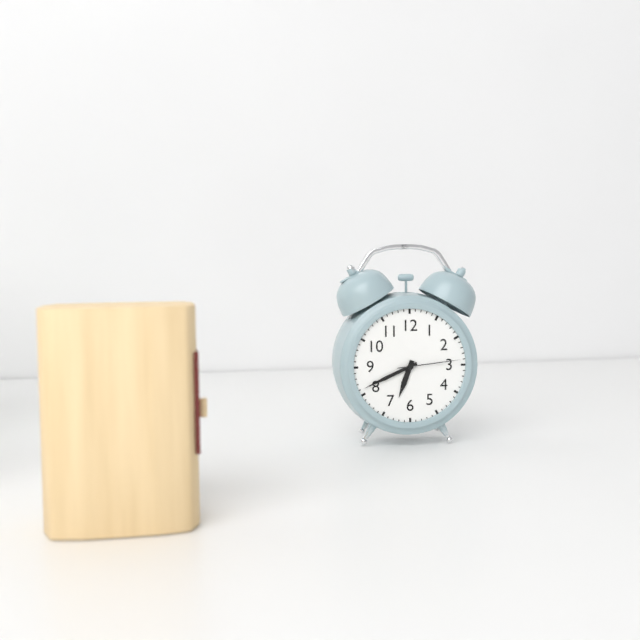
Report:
6:41:14
